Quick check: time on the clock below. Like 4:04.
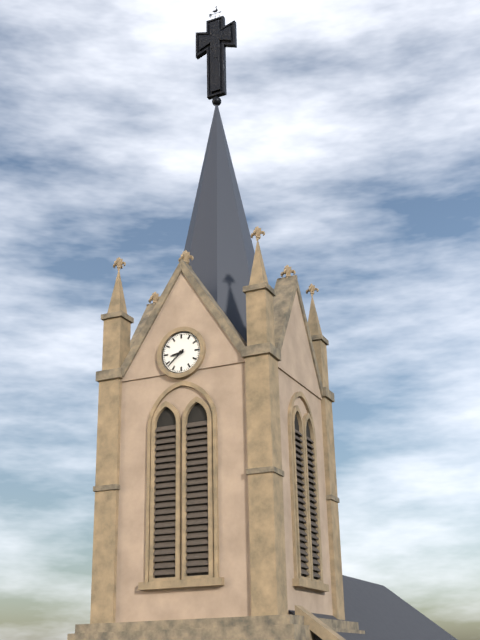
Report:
8:38
